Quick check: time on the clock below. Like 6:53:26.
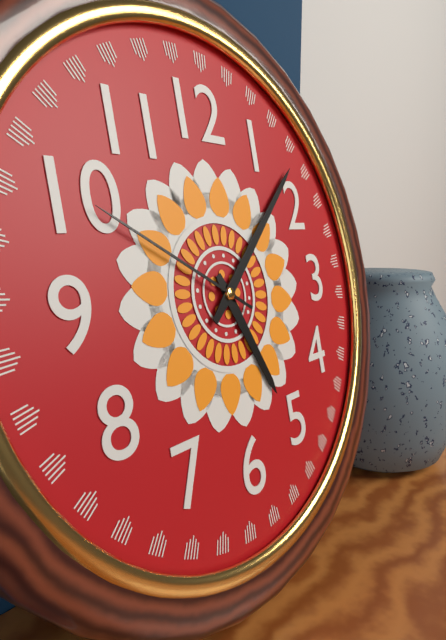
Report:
5:08:50
